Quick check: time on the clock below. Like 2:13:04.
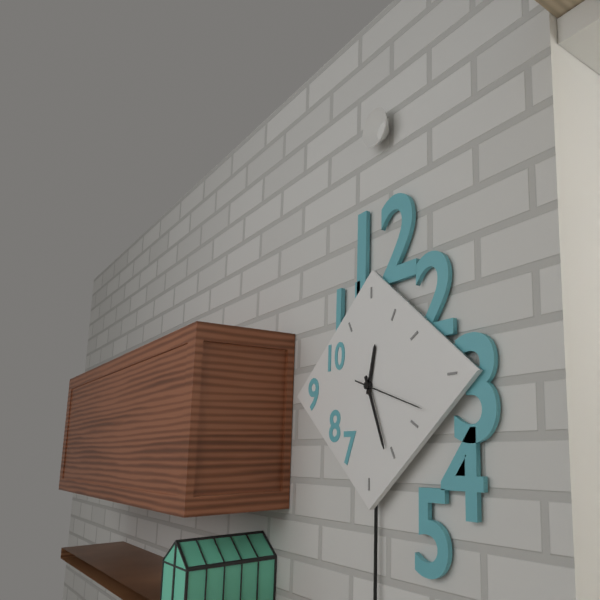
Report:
12:26:18
